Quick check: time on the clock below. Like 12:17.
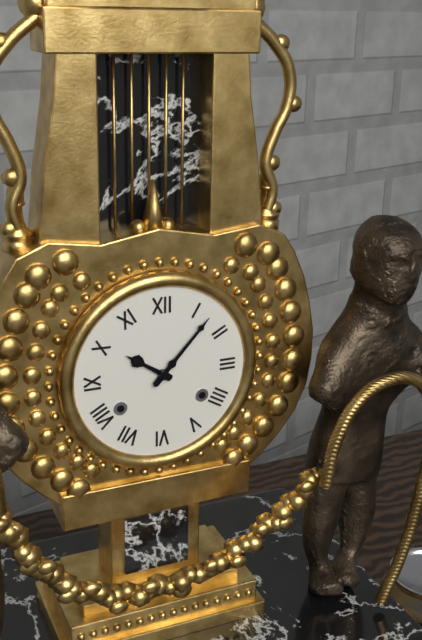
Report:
10:07
